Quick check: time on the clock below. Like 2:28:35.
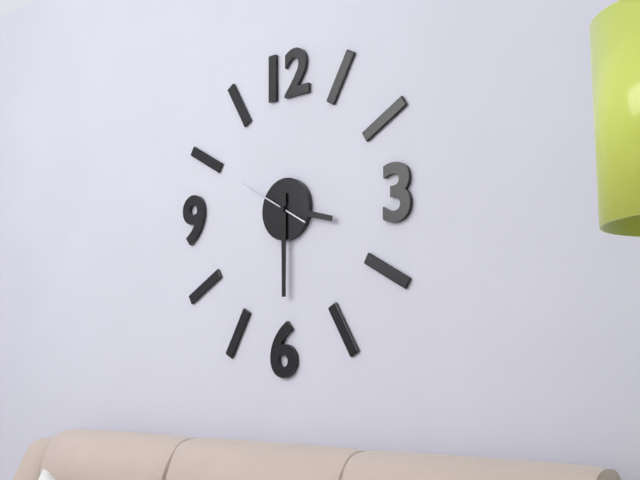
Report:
3:30:50
